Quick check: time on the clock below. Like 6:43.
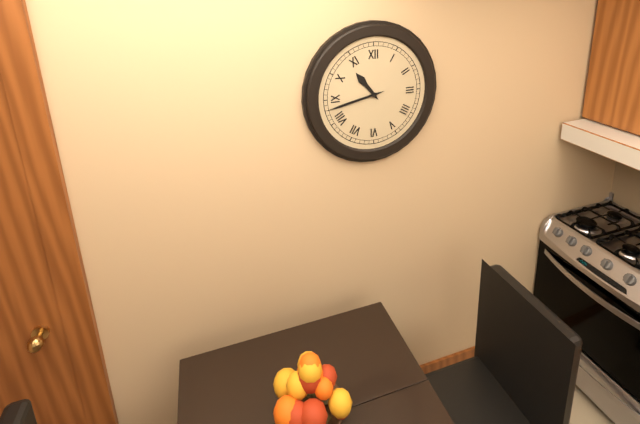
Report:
10:43
